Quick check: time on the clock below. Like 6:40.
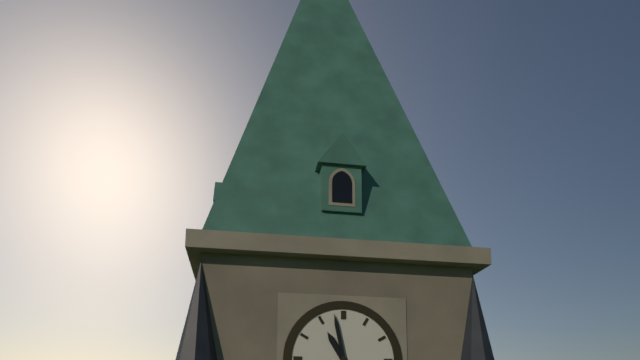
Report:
10:58
